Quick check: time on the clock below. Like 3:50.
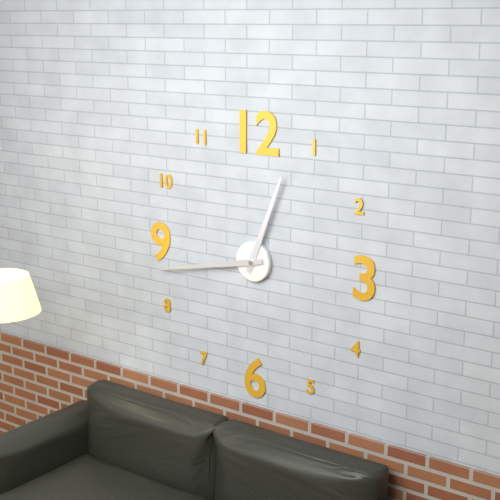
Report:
12:43
